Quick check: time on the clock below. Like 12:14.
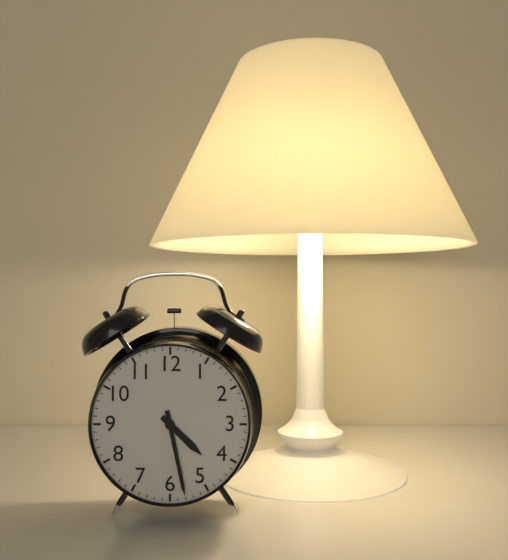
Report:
4:28
